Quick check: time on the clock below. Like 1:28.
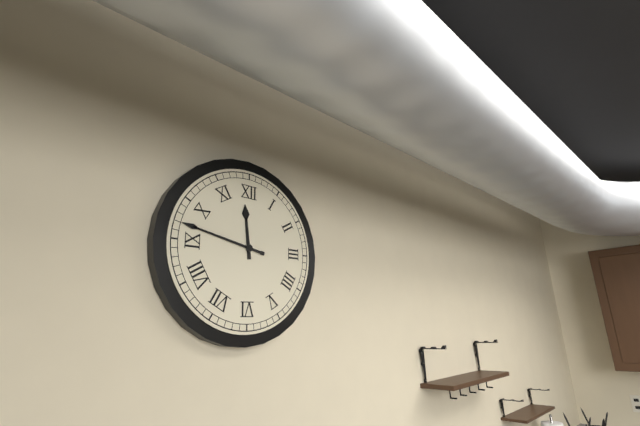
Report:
11:47
